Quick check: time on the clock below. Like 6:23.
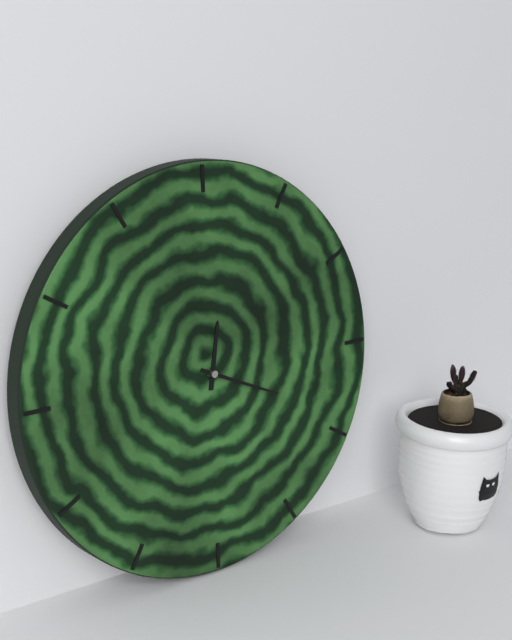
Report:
12:19
